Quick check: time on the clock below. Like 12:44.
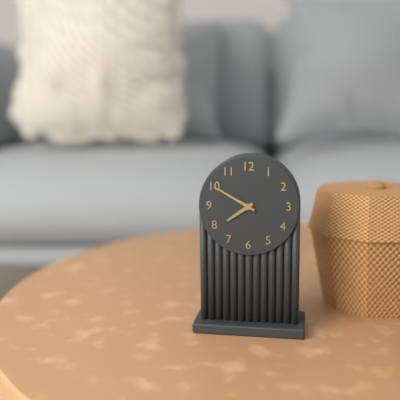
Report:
7:50
